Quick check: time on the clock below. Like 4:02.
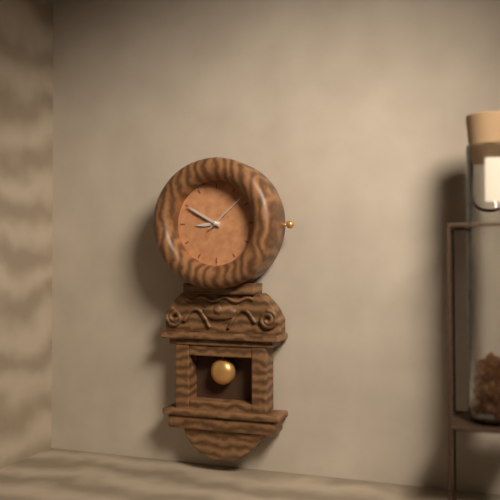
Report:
8:50
